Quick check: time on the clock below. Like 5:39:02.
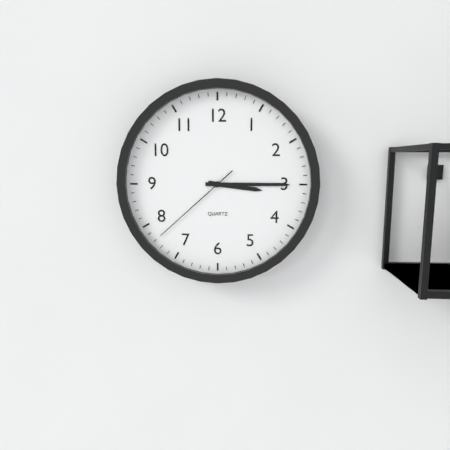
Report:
3:15:38
